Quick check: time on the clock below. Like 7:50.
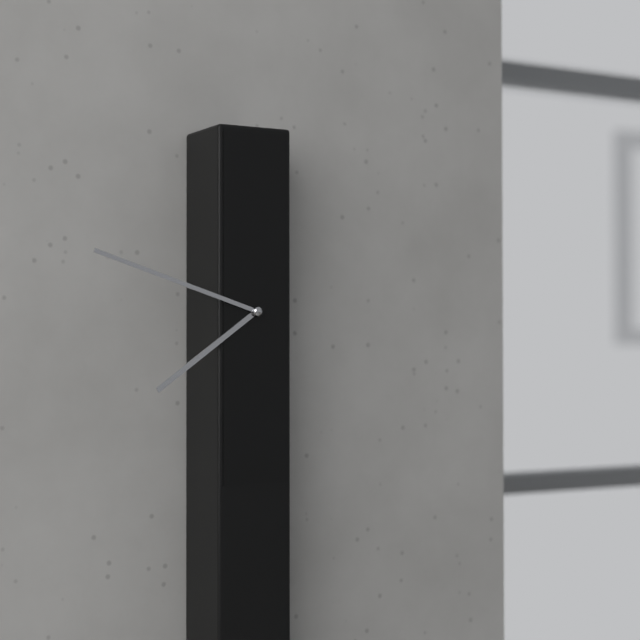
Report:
7:48
